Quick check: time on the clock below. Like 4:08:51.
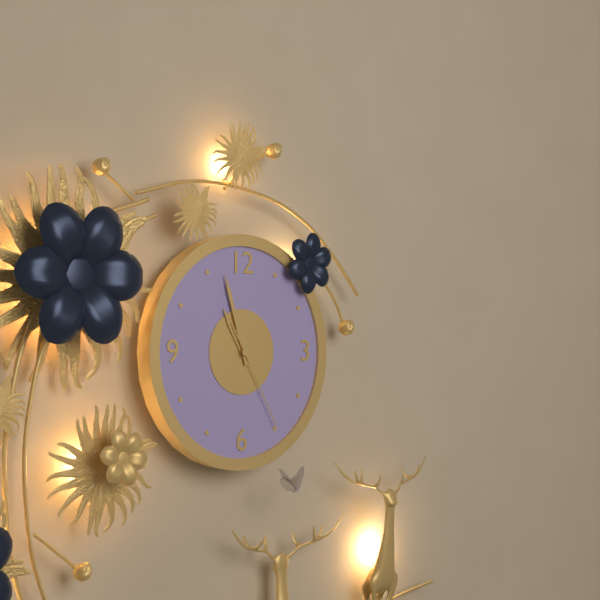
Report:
10:57:25
